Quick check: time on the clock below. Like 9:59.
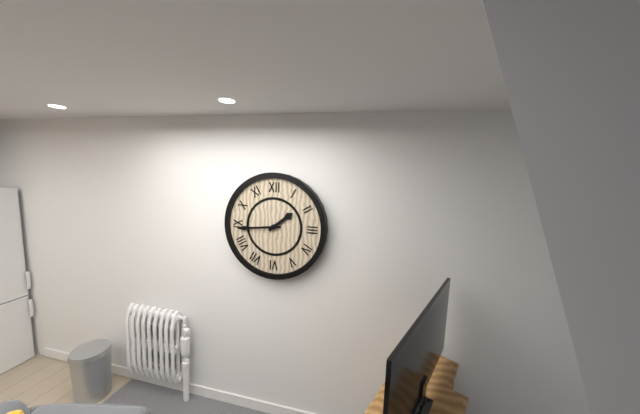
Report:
1:44
